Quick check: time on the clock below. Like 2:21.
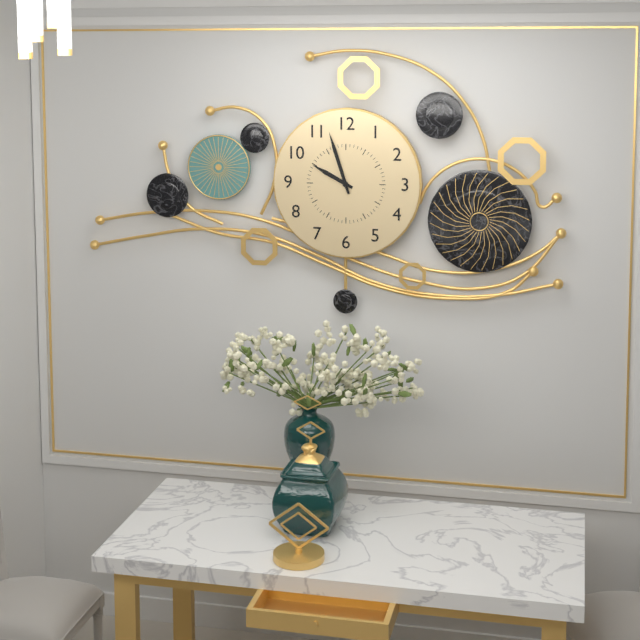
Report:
9:57
